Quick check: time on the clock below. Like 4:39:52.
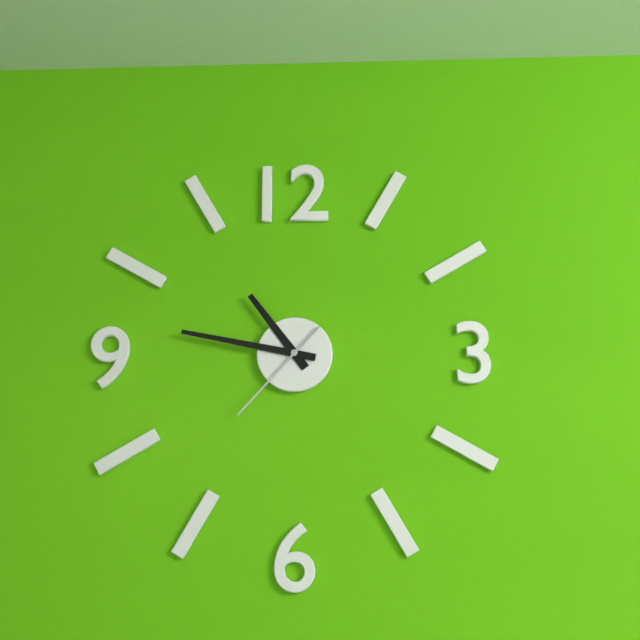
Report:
10:47:37
